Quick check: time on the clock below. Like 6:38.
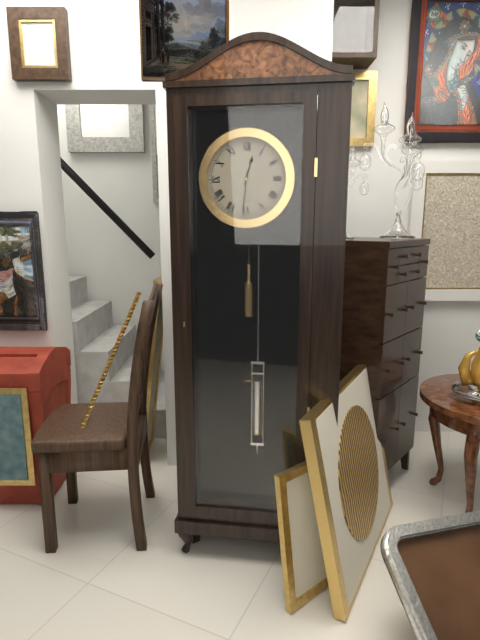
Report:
12:31
